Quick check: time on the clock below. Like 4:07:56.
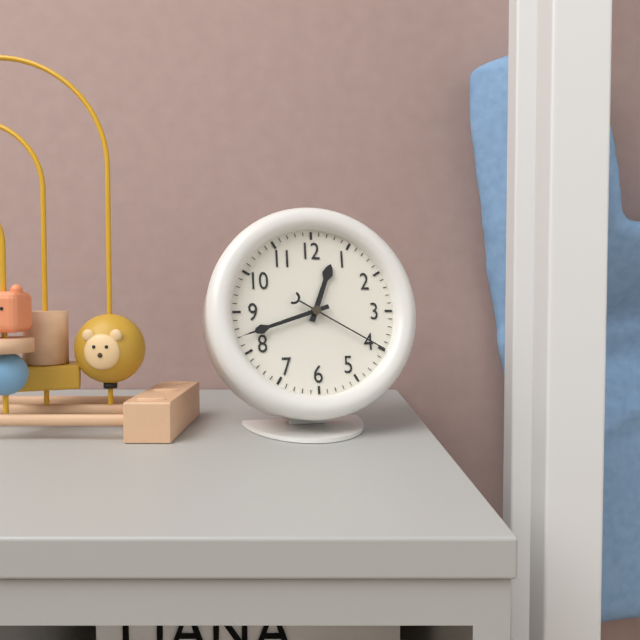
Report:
12:42:20
